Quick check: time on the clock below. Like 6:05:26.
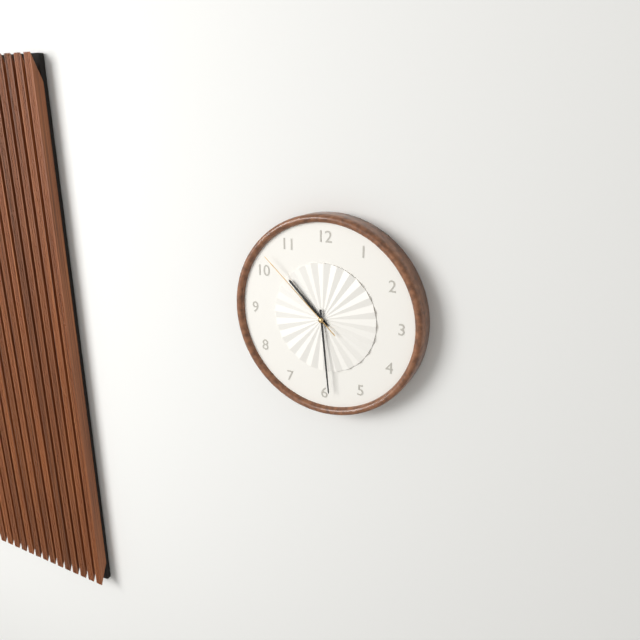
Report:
10:29:52
